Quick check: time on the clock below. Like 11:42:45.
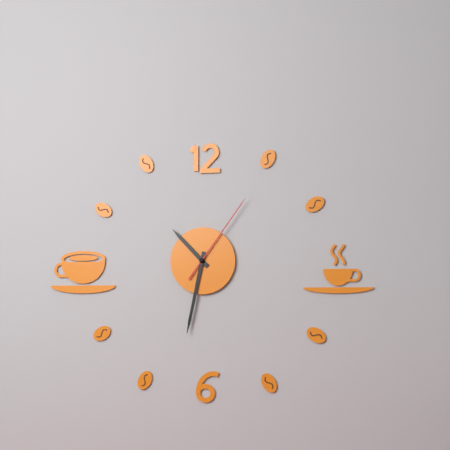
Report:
10:32:06
